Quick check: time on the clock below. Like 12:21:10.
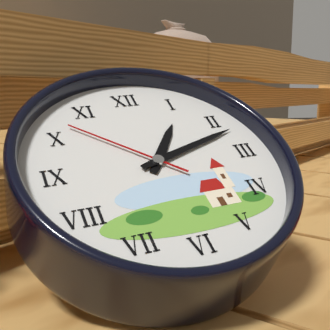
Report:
1:12:52
